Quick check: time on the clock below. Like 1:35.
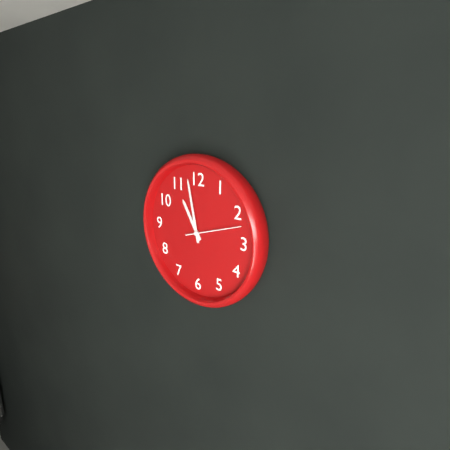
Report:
10:58
